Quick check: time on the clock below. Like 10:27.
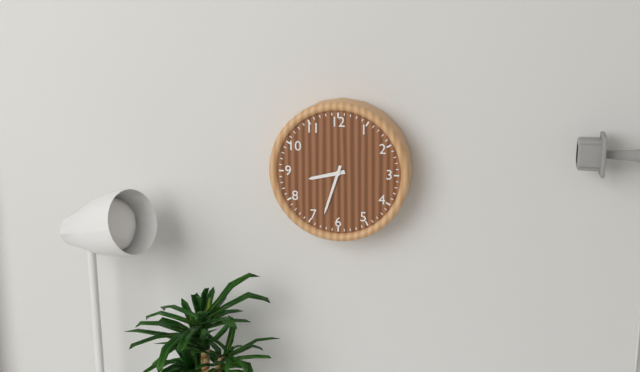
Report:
8:33
